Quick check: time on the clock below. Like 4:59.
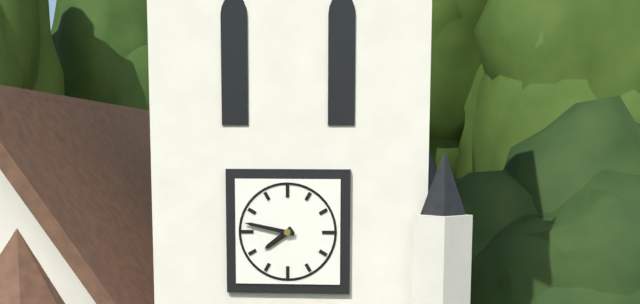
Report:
7:47
